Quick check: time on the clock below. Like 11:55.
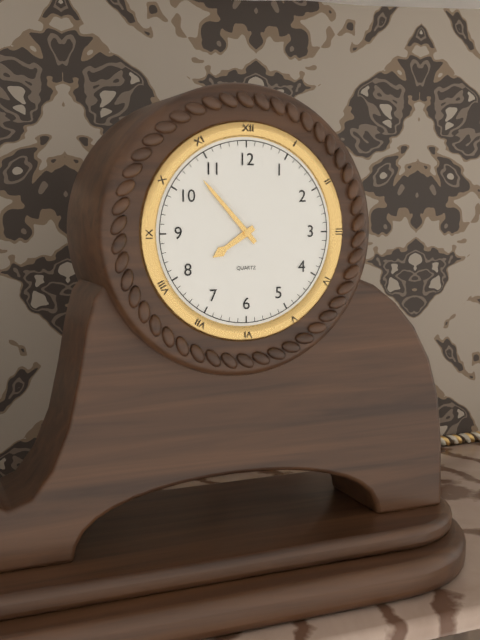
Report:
7:53
